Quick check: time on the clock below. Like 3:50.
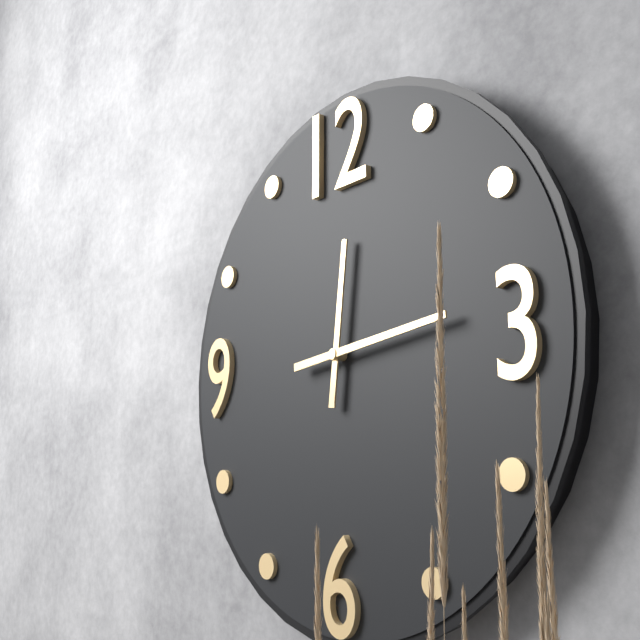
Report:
12:14
